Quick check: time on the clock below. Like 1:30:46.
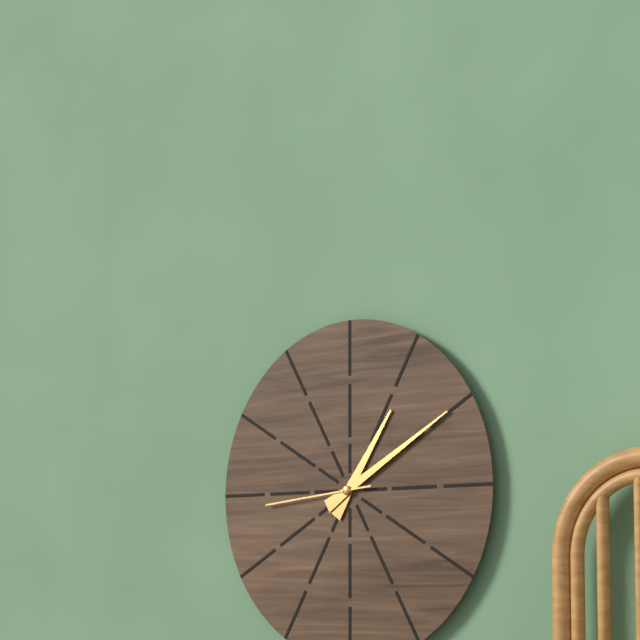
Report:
1:10:44
